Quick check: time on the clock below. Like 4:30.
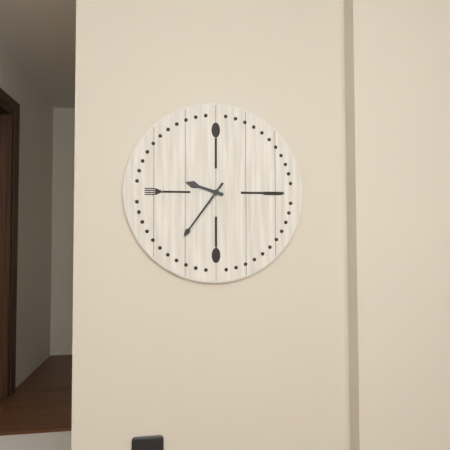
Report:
9:36
